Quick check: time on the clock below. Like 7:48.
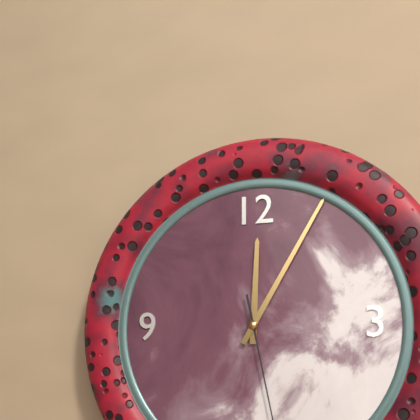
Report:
12:05
